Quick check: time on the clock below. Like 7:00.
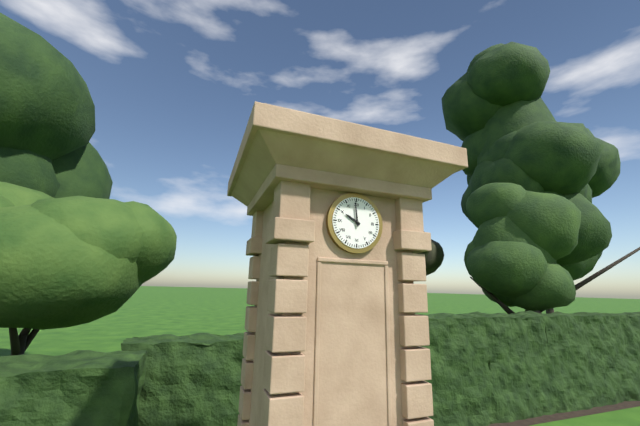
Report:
9:59
